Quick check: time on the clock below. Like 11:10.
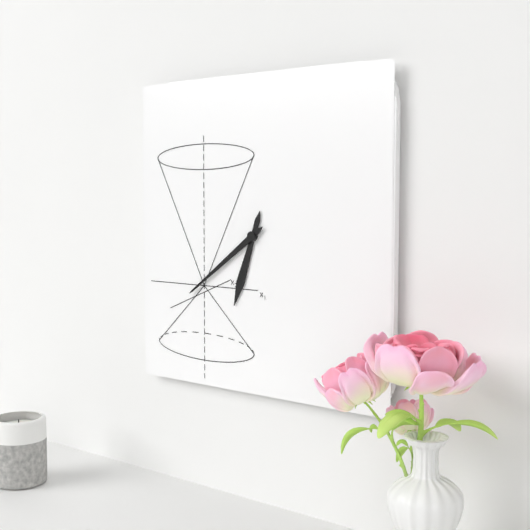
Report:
6:39
